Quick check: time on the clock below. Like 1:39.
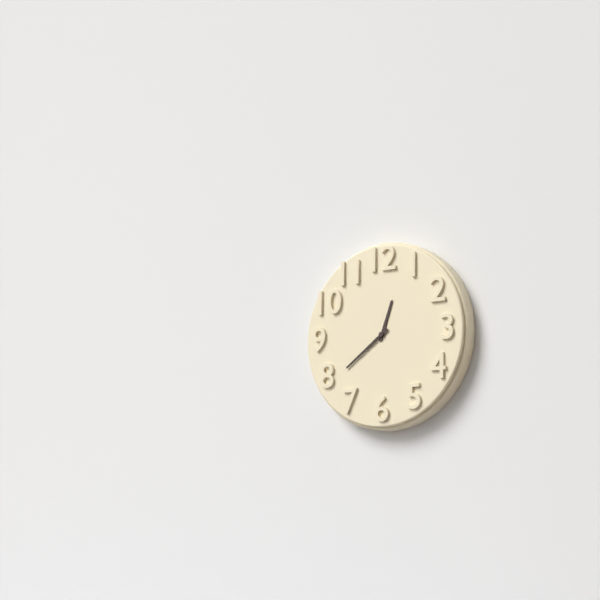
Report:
12:39
